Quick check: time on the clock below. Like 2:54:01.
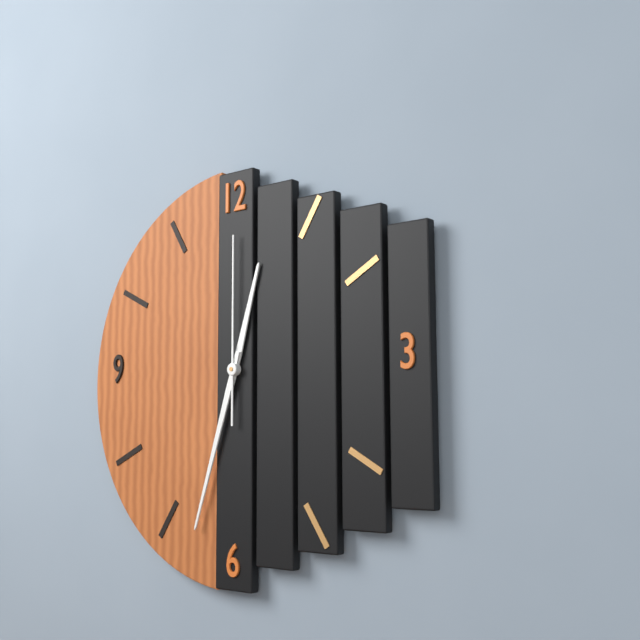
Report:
12:33:00
